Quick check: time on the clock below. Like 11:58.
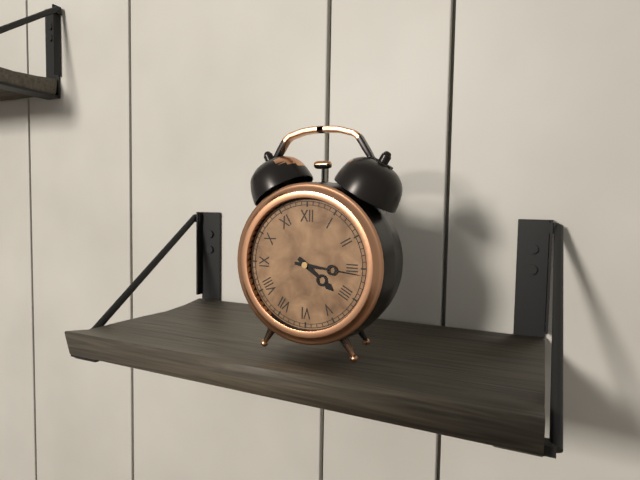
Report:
4:16
